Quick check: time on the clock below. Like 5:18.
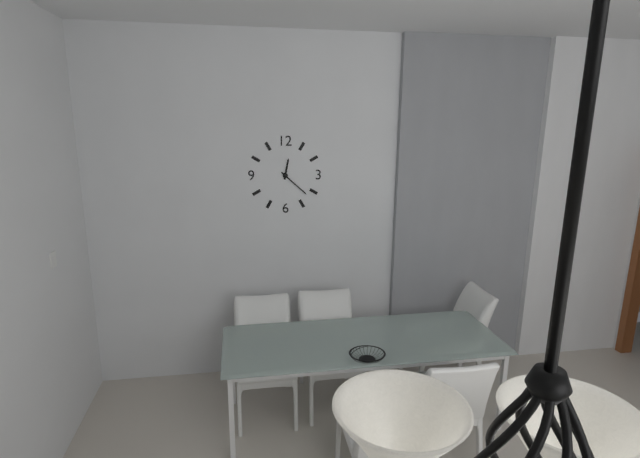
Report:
12:22
